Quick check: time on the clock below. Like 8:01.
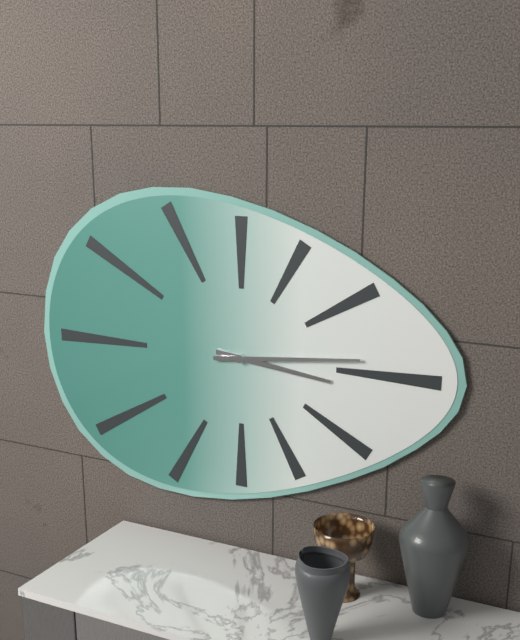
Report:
3:14
